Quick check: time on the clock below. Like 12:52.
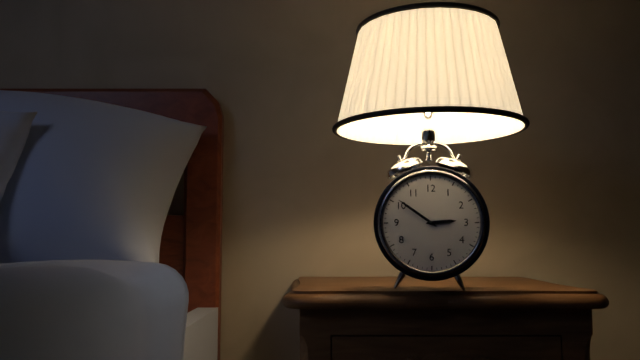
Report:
2:51
